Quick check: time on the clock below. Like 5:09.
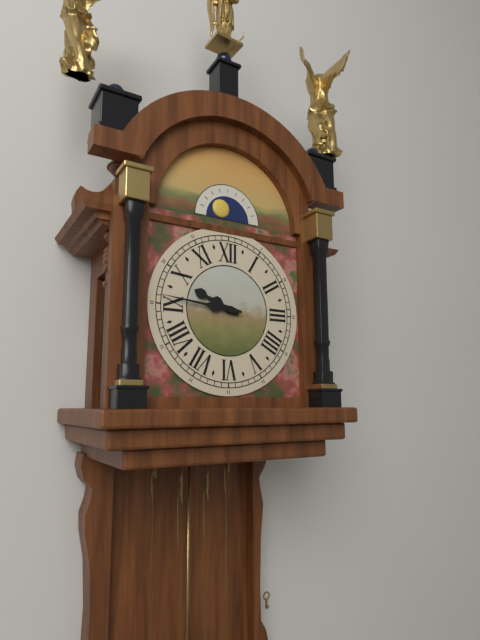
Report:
9:46
